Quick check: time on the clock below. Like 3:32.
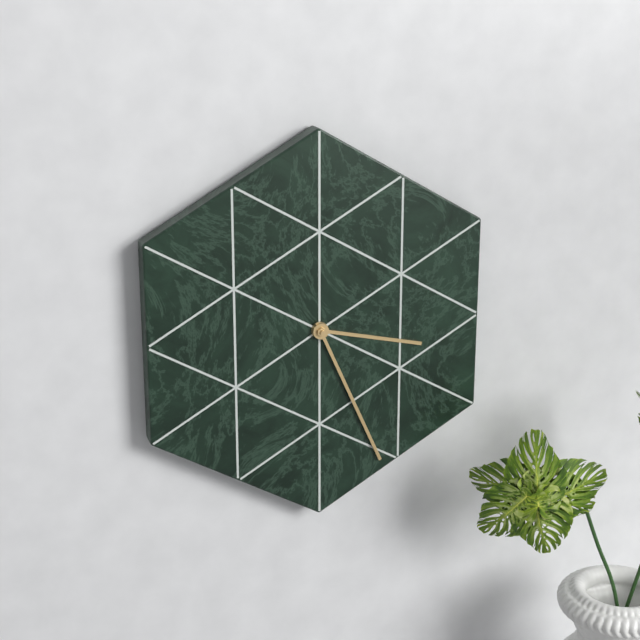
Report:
3:26
